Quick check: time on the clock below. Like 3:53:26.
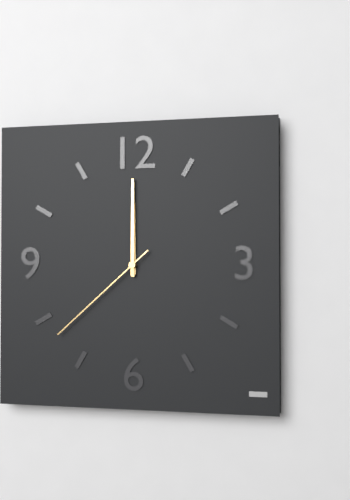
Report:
12:00:38
